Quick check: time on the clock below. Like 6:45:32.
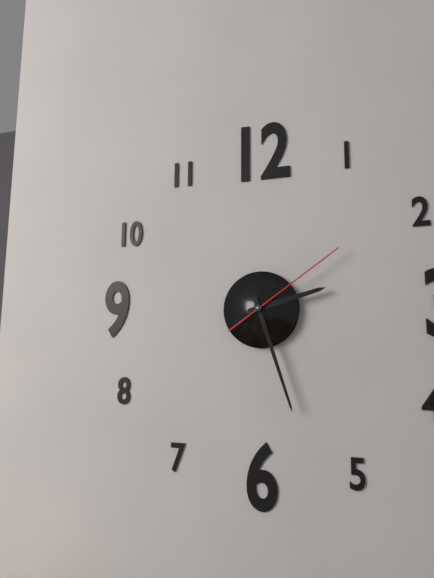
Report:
2:27:09
